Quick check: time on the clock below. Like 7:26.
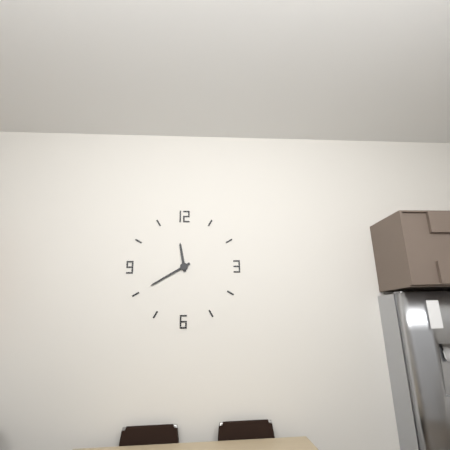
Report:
11:40
